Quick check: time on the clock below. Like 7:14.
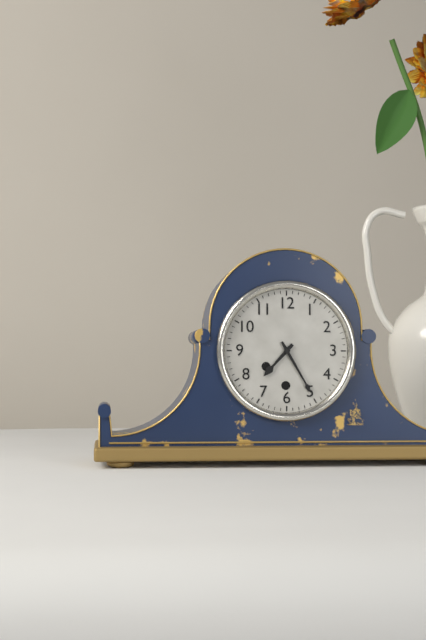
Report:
7:25
